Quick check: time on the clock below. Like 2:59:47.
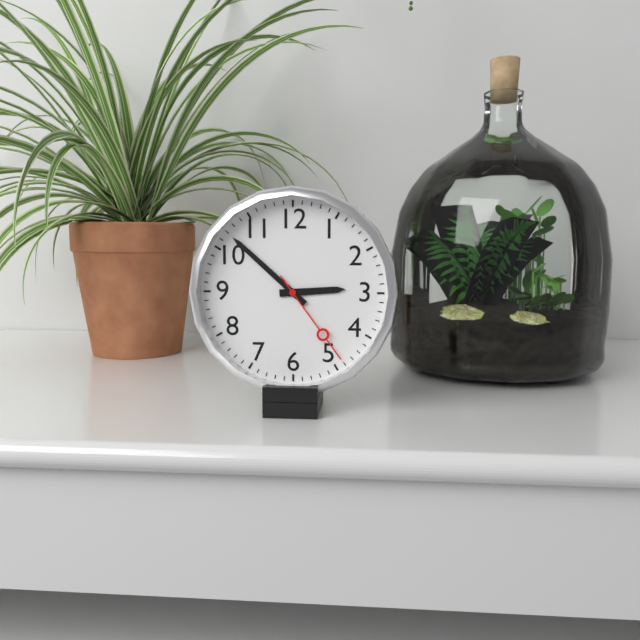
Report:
2:52:24
